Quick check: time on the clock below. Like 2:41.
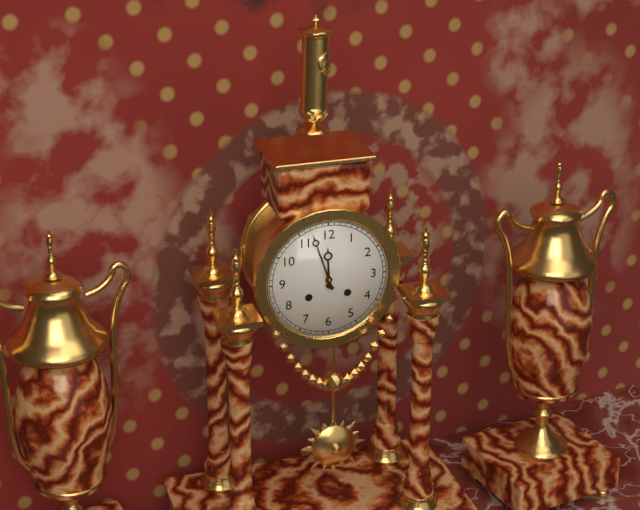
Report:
11:57
